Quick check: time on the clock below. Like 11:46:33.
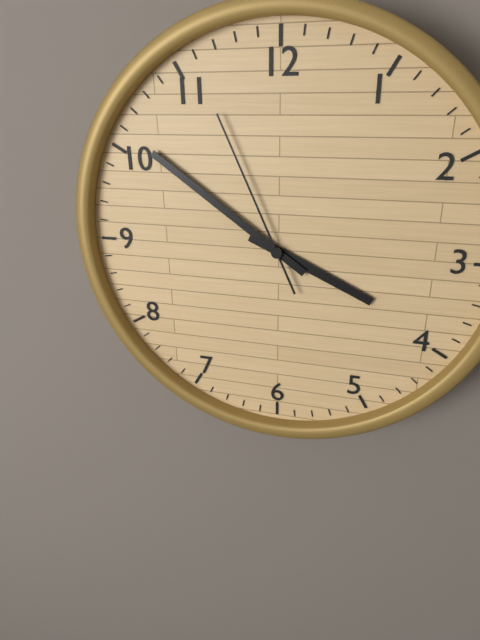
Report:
3:51:56
